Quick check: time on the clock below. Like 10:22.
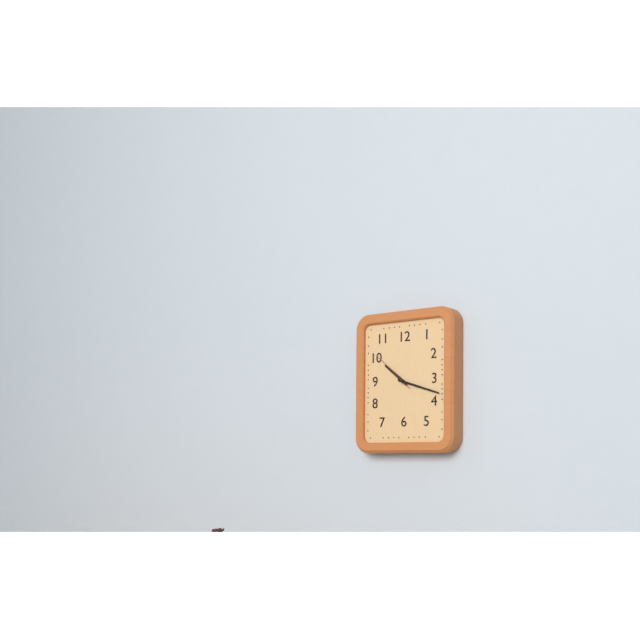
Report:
10:18
